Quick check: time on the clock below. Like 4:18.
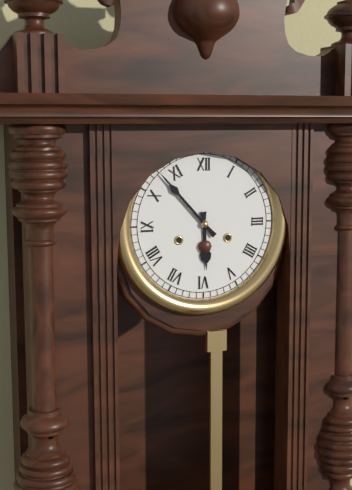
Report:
5:53
